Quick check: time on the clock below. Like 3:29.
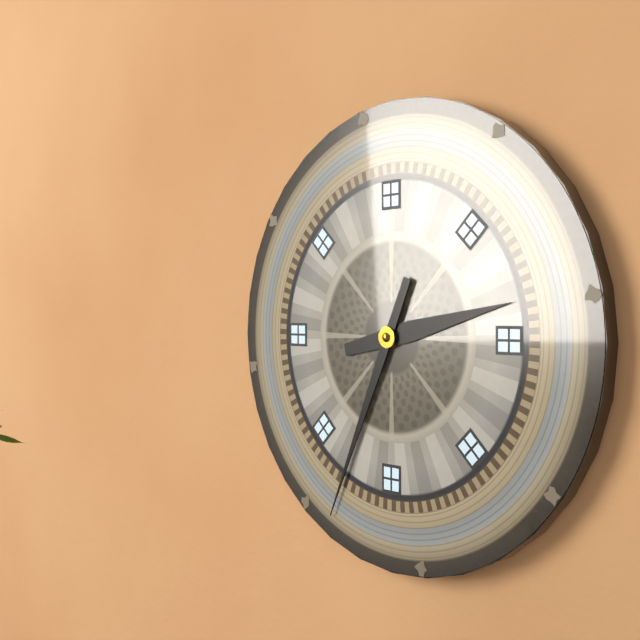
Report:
2:34
